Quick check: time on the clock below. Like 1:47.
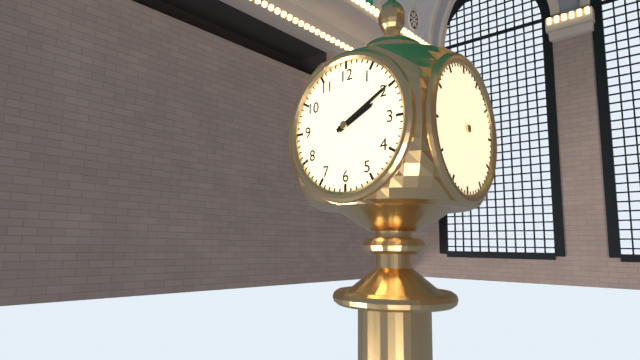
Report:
2:10
